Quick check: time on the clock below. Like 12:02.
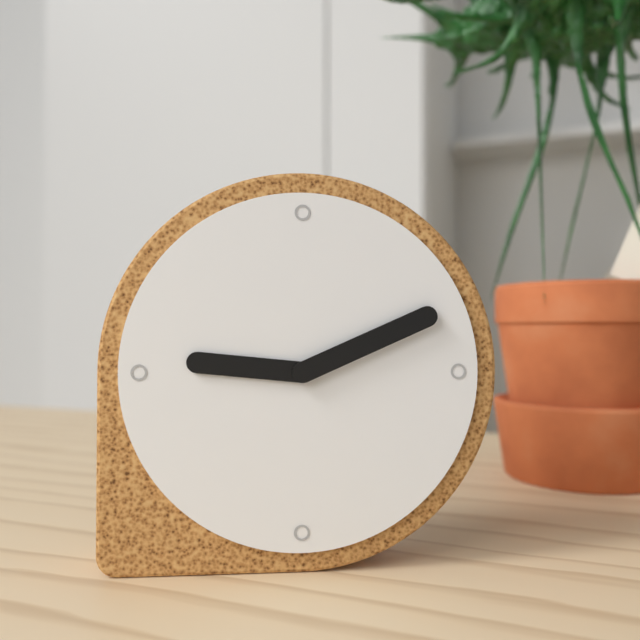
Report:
9:11
